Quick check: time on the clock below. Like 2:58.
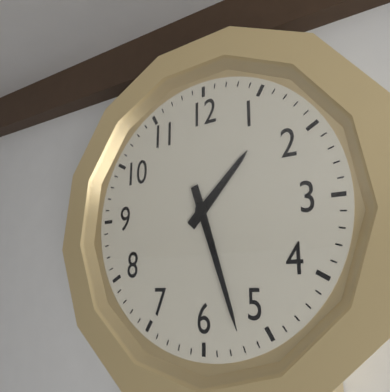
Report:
1:27
